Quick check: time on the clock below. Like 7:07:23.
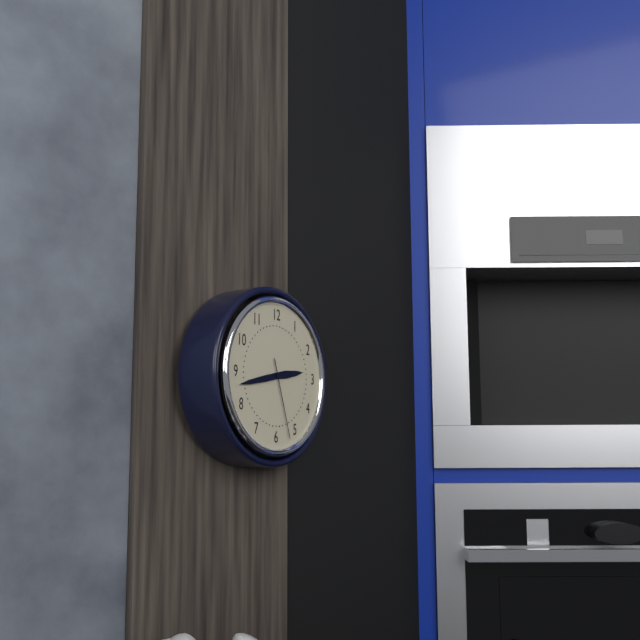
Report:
2:43:27
